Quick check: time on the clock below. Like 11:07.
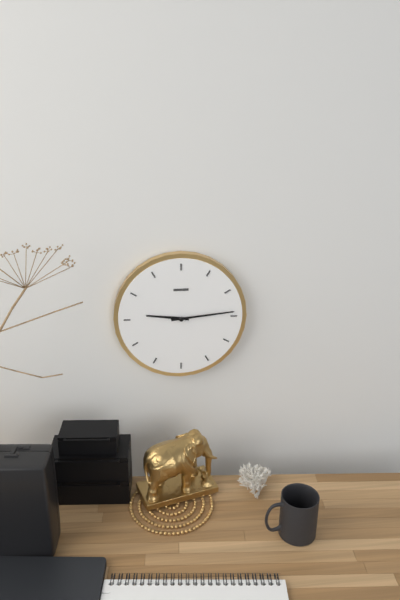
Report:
9:14
